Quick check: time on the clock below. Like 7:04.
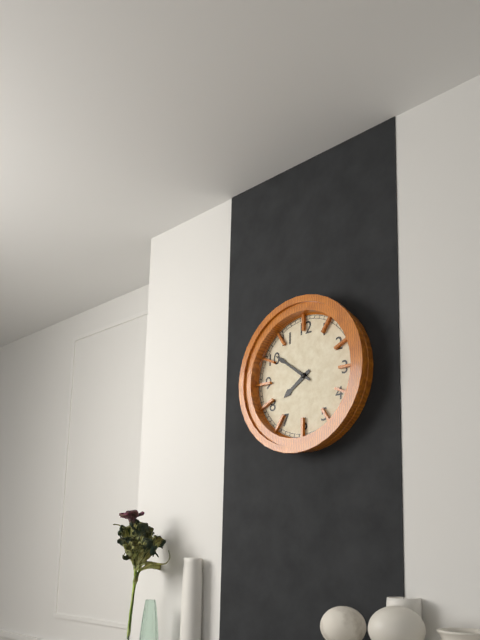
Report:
7:51
